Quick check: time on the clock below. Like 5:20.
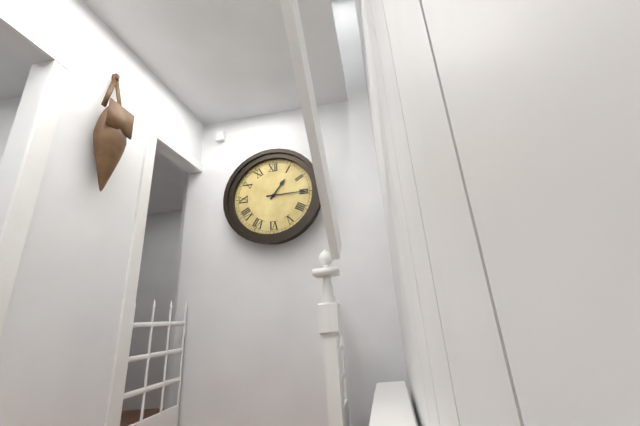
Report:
1:15
